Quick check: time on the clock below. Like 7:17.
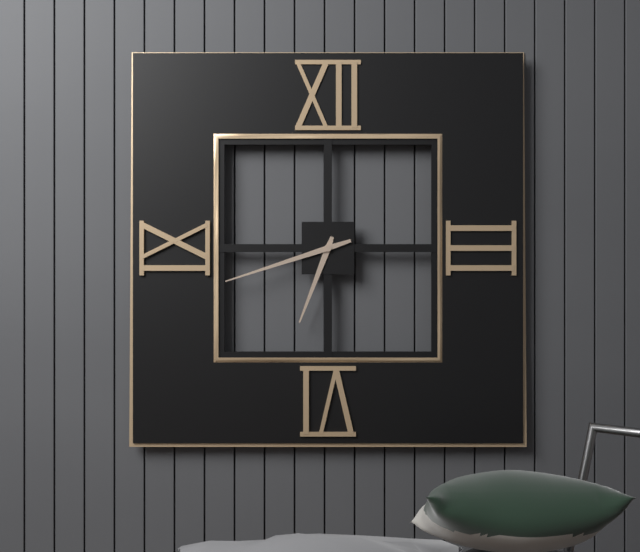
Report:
6:42
